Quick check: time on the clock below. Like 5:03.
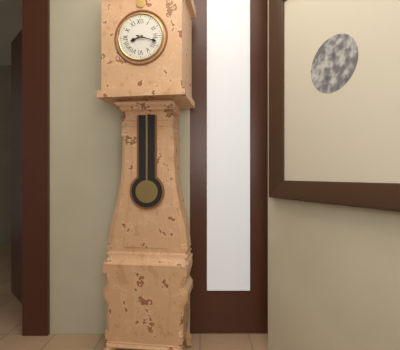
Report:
8:18
